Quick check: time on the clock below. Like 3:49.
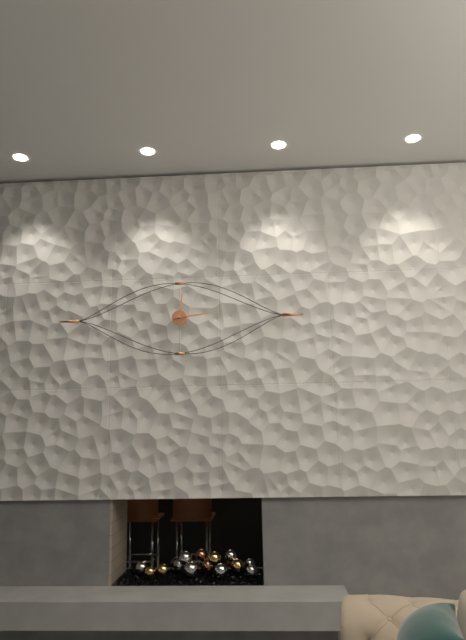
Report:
12:14
